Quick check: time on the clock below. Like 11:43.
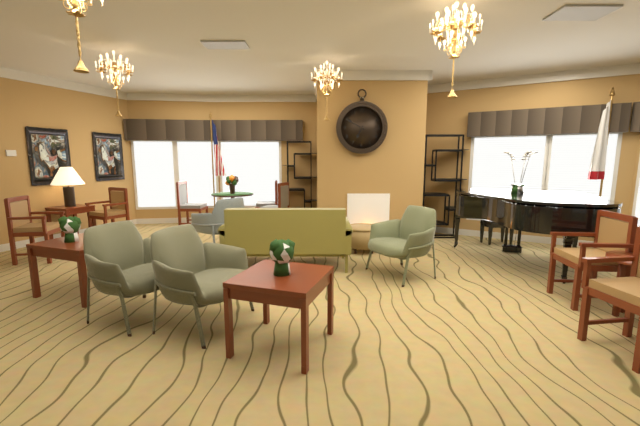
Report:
6:50
